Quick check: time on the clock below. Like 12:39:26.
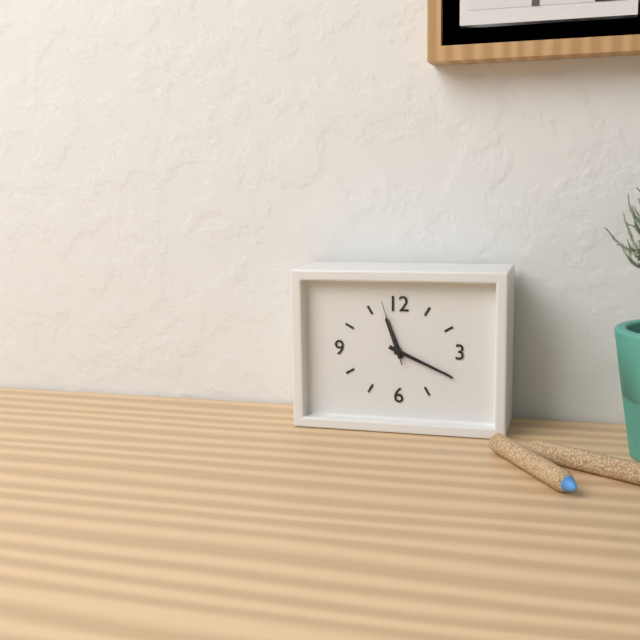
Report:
11:19:57
